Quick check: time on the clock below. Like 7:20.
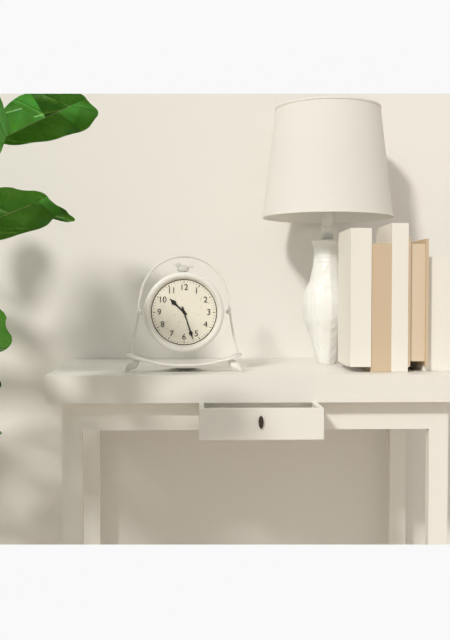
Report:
10:27
